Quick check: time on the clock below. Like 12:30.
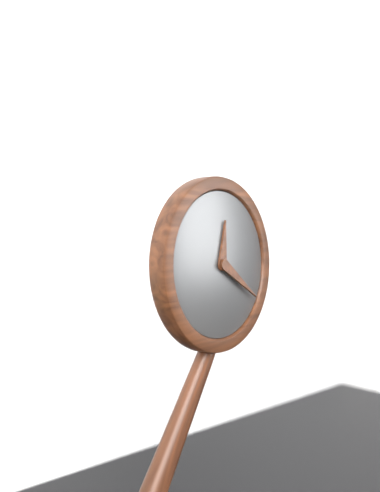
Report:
12:21
